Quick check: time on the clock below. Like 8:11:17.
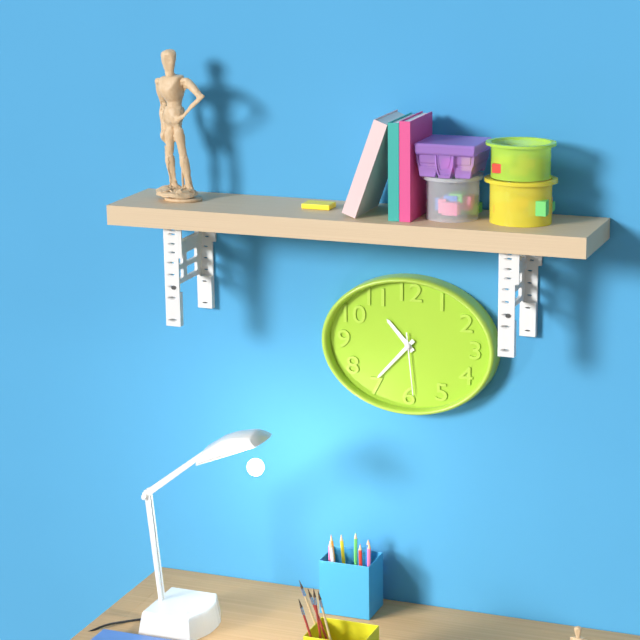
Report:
10:37:29
